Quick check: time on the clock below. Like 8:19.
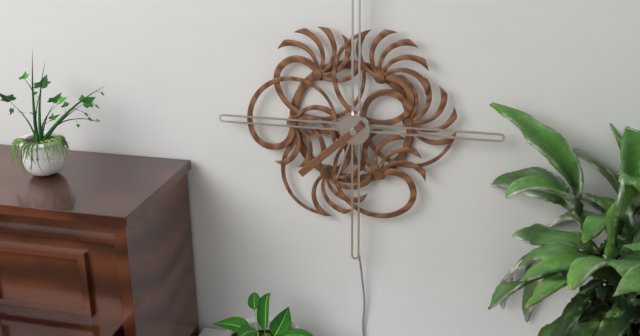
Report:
6:38
